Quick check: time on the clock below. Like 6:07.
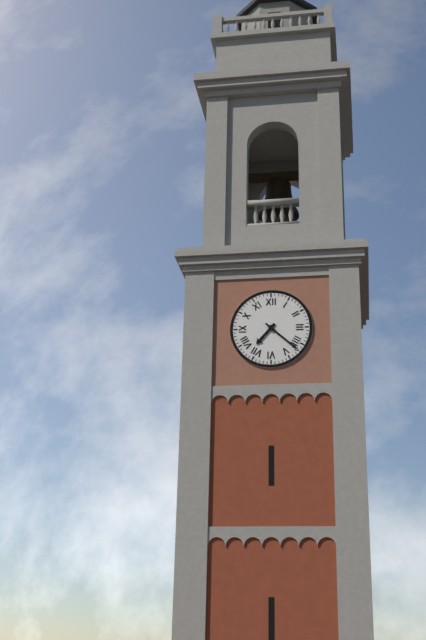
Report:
7:22
